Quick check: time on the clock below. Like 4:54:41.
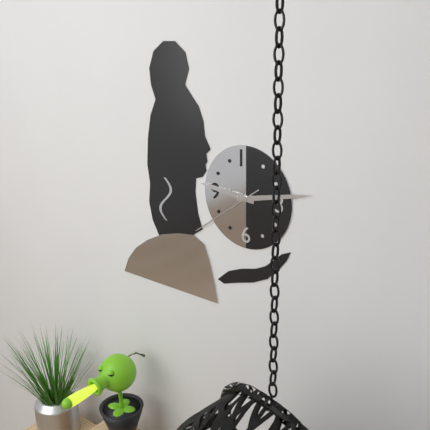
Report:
9:13:39
